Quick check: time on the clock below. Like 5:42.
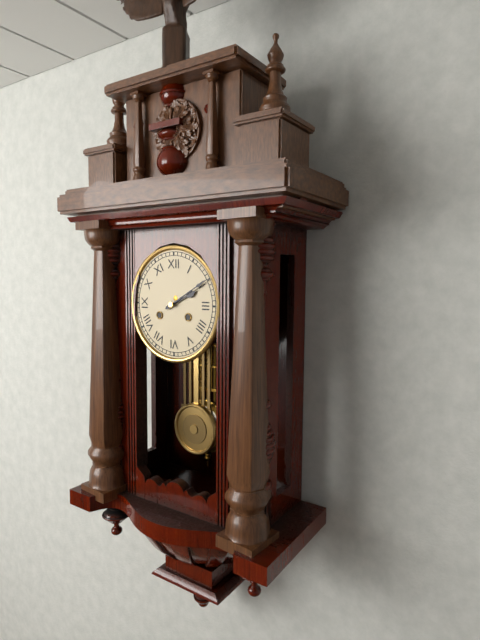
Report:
2:10
